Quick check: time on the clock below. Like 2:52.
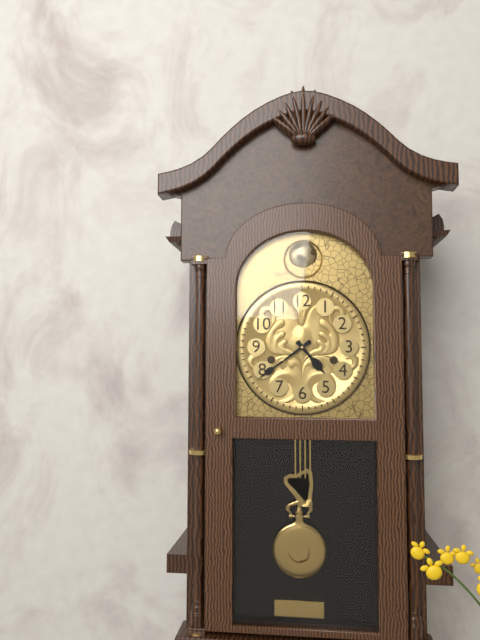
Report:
4:39
